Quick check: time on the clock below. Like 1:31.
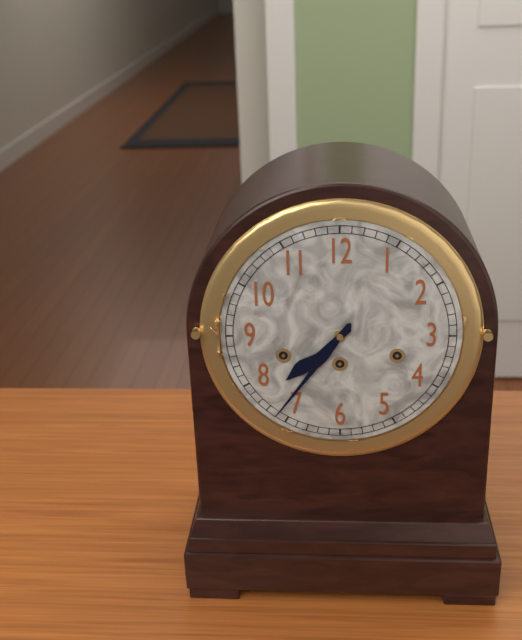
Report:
7:36
